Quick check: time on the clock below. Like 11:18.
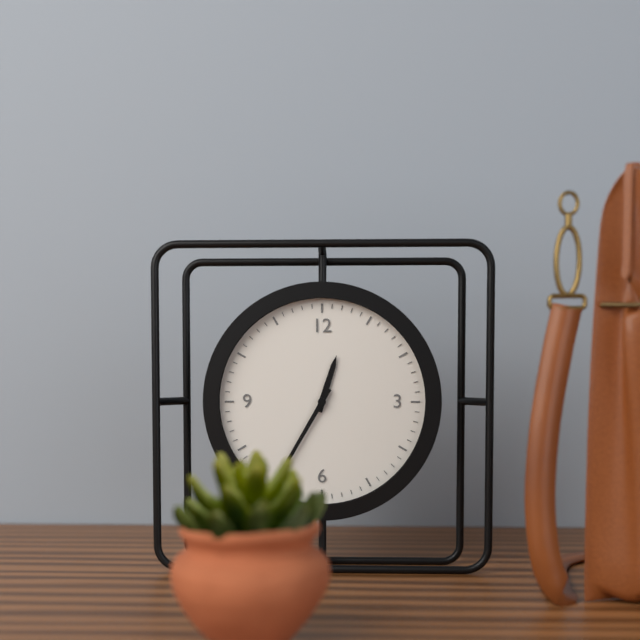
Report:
12:35
